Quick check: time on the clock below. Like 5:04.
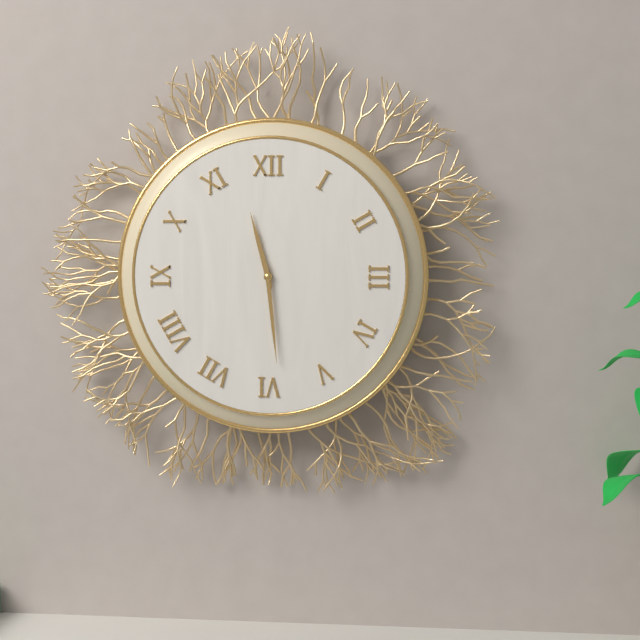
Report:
11:29
